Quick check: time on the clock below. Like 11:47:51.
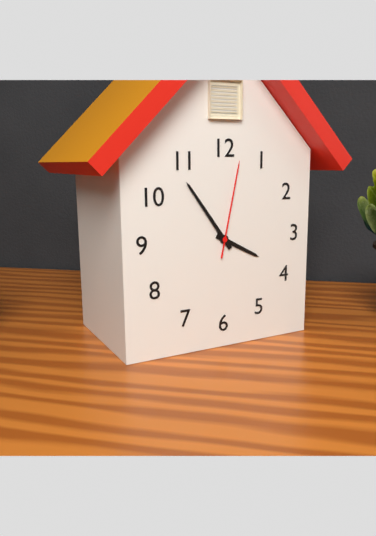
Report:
3:54:02
